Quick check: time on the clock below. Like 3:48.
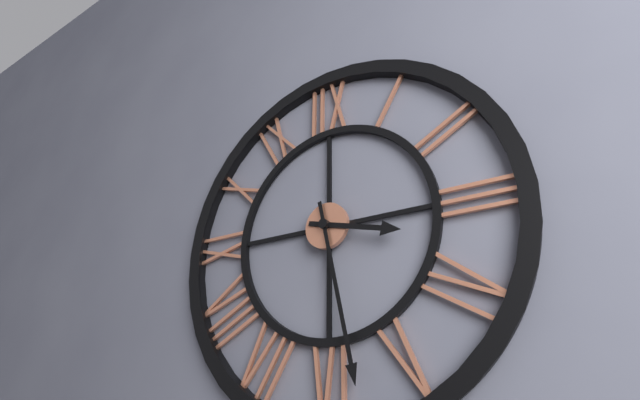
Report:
3:28
